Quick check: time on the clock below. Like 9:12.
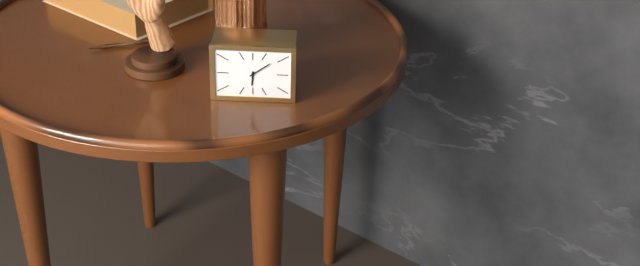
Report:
6:09
